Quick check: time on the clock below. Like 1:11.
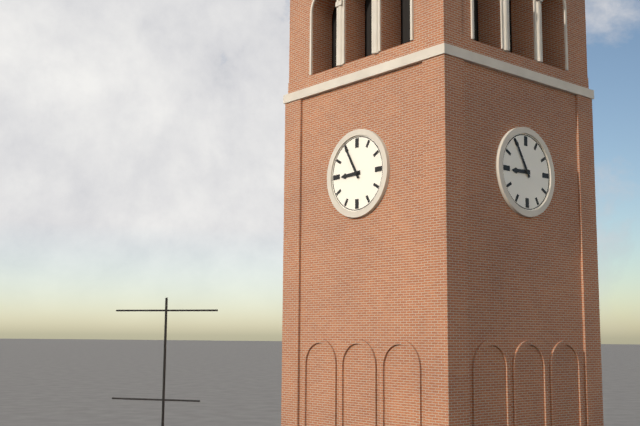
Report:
8:55
